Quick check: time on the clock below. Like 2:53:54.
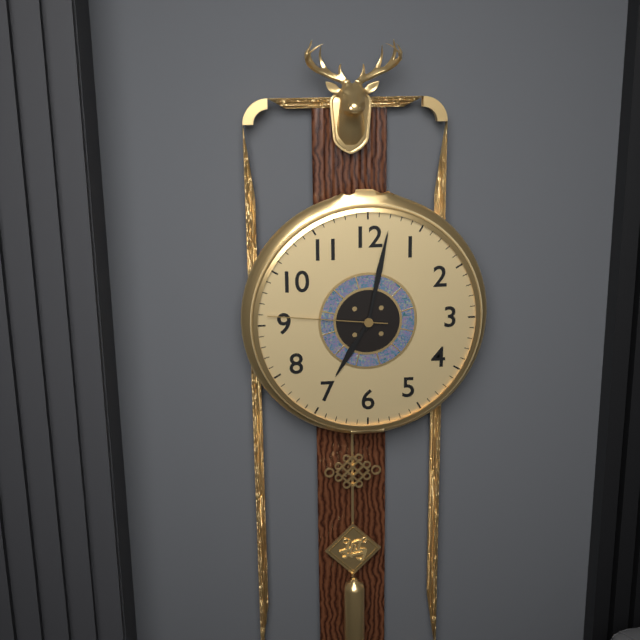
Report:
7:02:46
